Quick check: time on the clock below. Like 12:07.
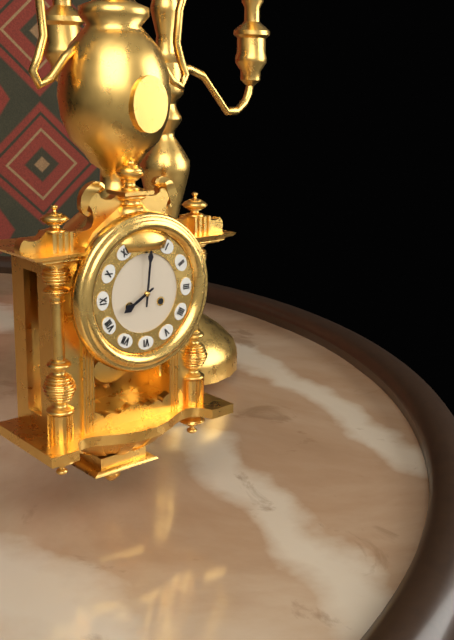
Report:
8:01
